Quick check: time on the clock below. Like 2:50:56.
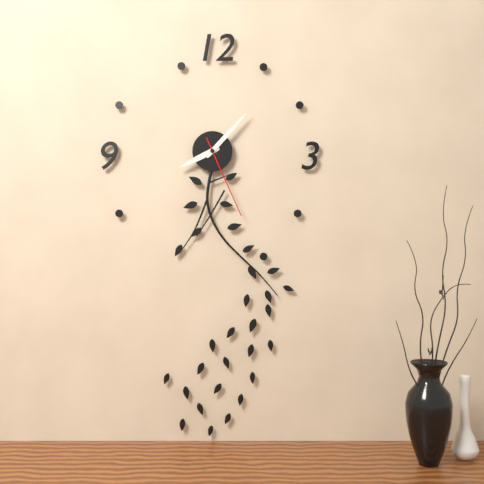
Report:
8:07:26
